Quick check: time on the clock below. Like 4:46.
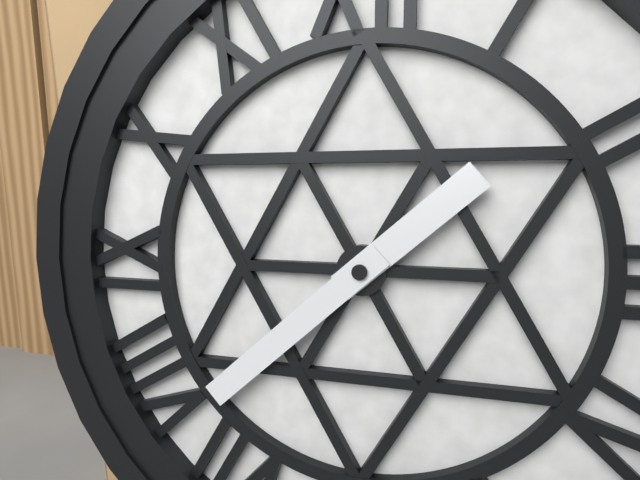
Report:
1:38
